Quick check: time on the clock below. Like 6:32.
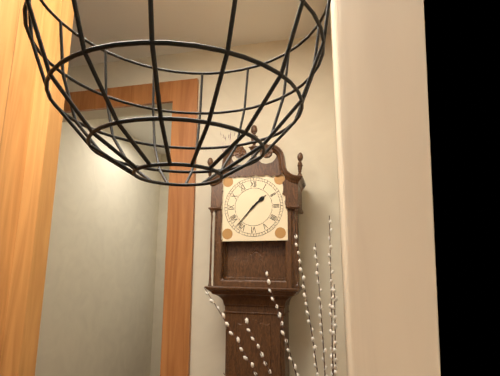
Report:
1:37
